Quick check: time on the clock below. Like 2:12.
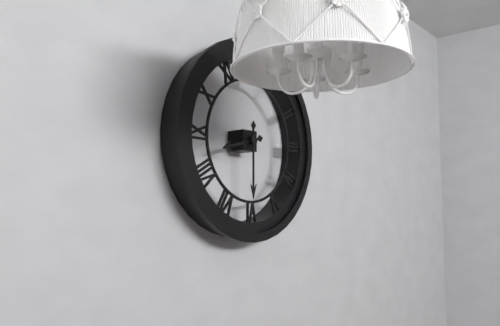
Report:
8:30
